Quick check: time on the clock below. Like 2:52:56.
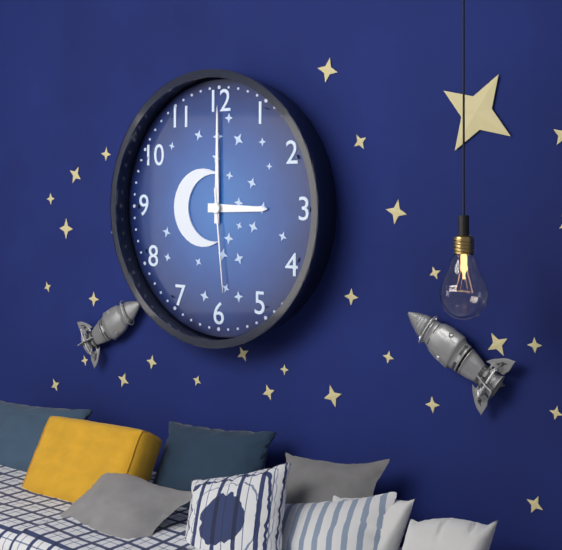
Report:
3:00:29
